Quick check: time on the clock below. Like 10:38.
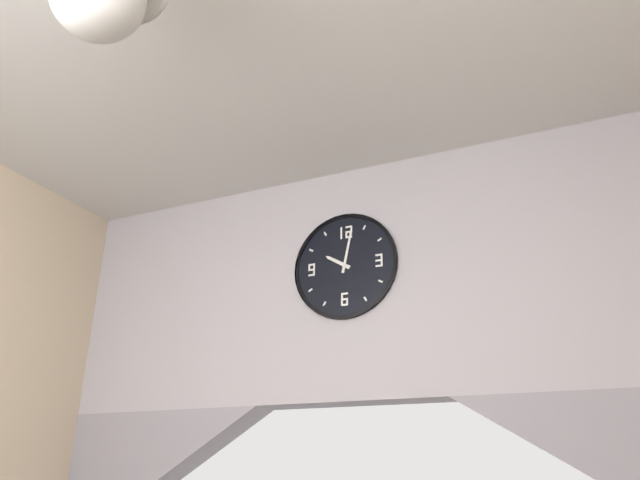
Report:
10:02
